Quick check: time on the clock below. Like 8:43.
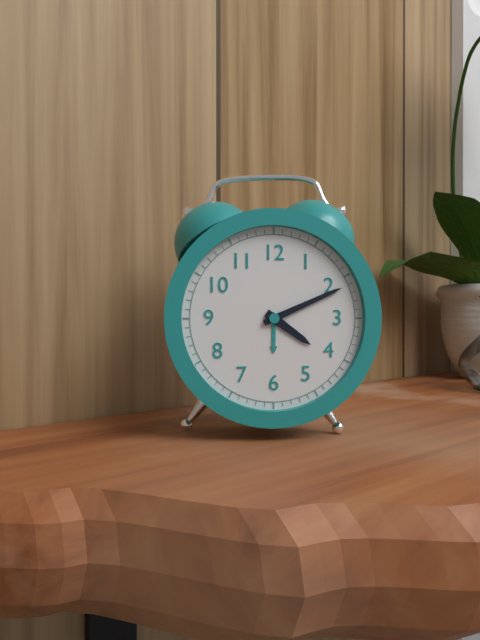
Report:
4:11
